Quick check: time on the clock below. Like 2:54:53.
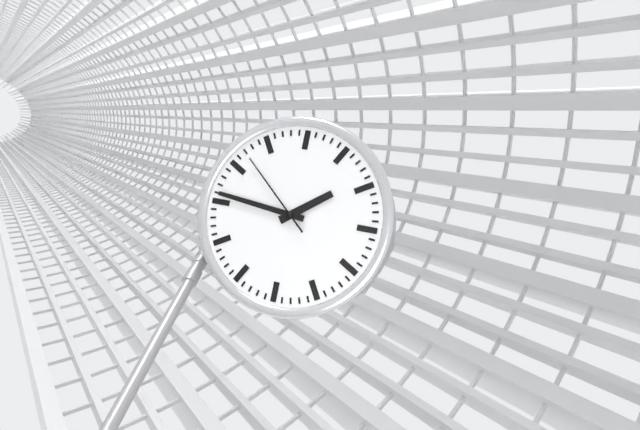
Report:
1:46:52
